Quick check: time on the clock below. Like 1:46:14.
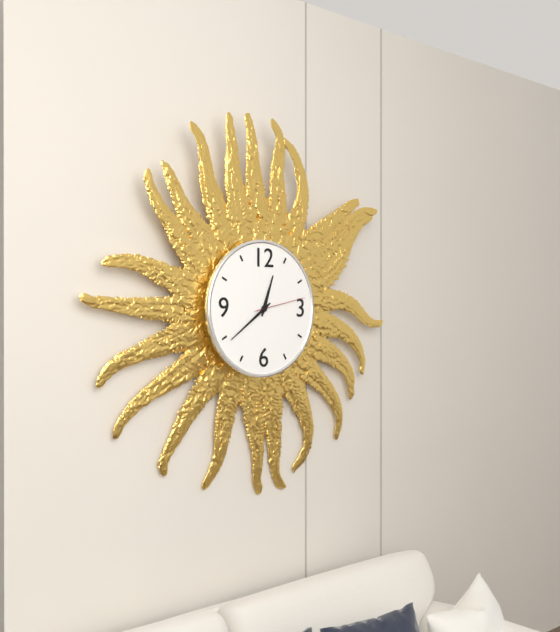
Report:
12:39:13
